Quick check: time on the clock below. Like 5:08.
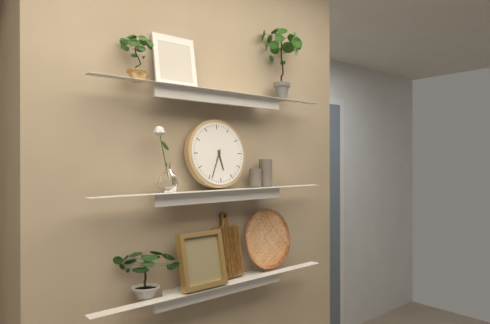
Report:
5:34
